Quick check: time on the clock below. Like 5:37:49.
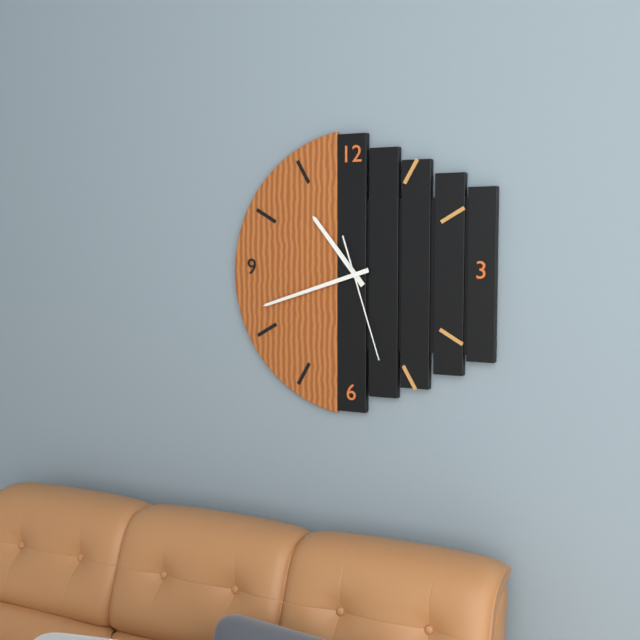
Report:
10:42:27
